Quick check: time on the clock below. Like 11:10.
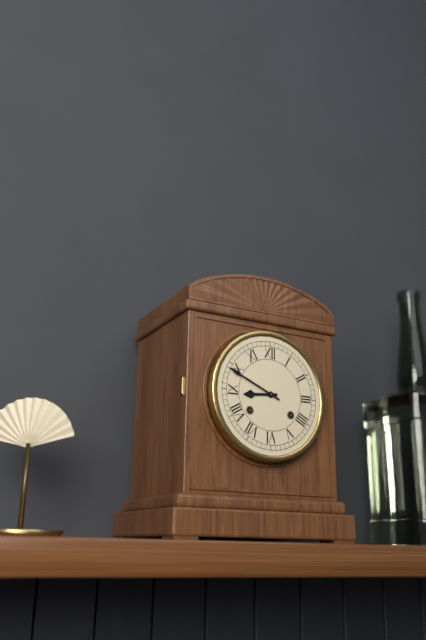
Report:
8:49
